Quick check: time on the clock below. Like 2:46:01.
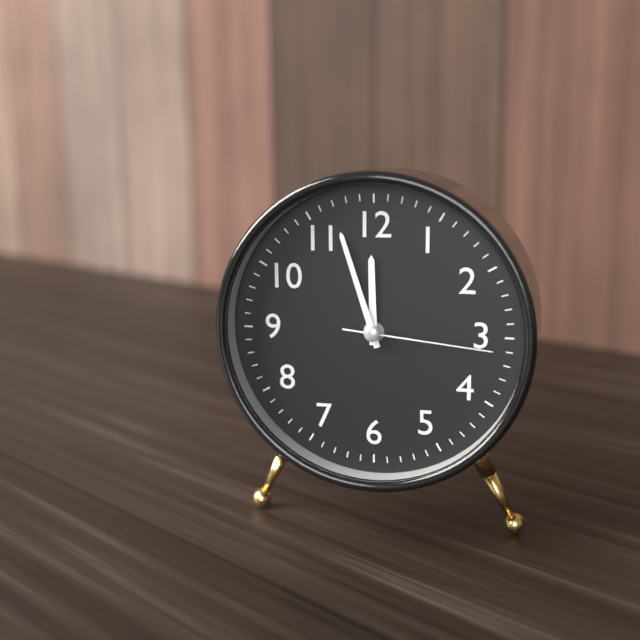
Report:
11:57:16
